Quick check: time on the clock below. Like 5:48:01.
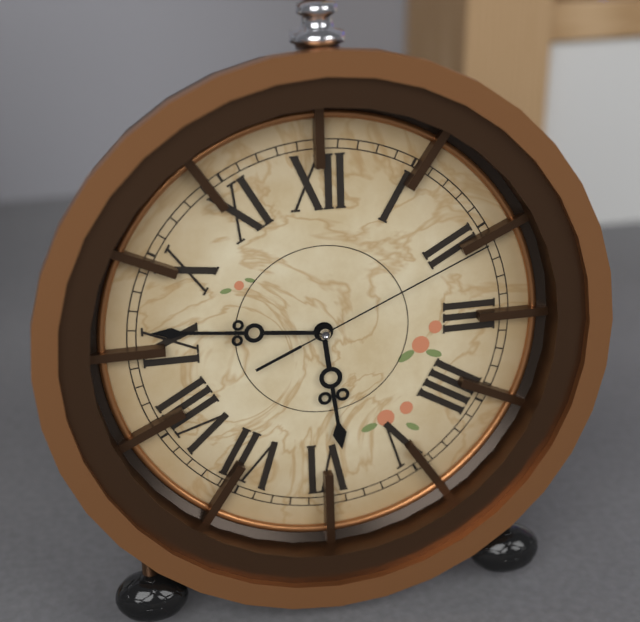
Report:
5:46:11
